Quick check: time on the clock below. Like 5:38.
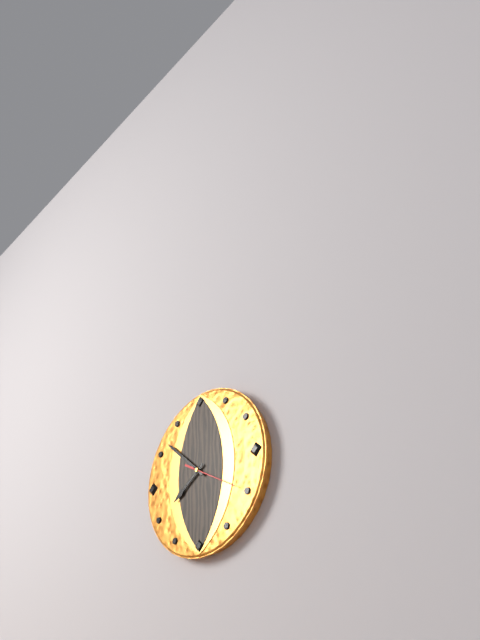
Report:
7:52
